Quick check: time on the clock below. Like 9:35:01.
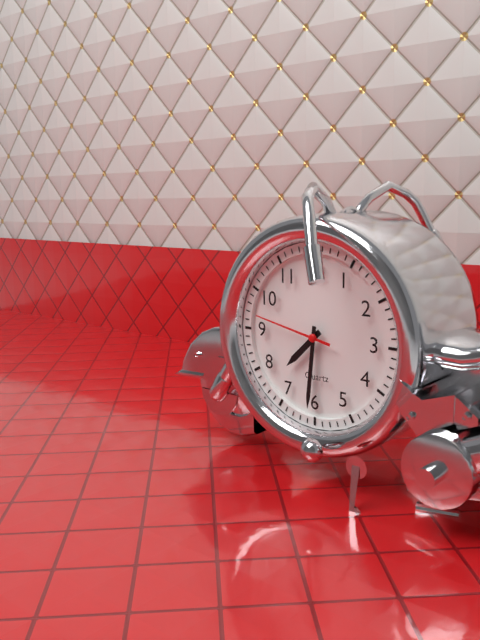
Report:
7:31:47
